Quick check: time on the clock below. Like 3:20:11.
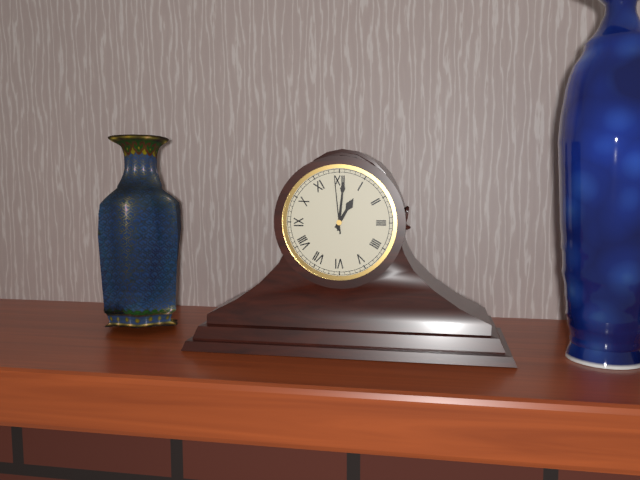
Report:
1:01:59
